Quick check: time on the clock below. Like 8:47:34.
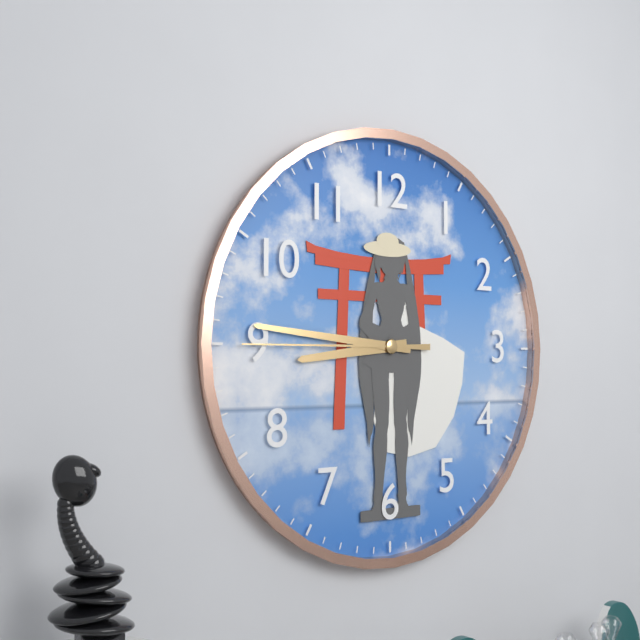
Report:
8:46:45
